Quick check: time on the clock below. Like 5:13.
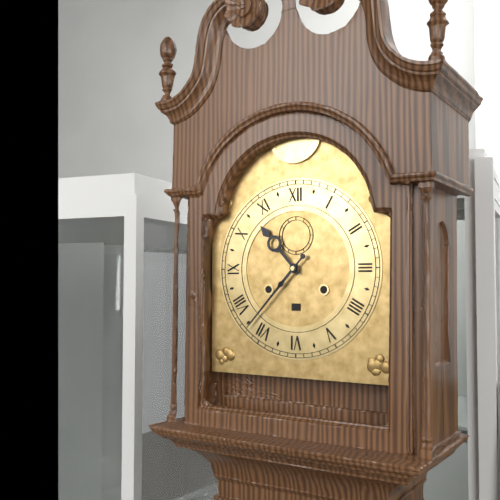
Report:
10:37
